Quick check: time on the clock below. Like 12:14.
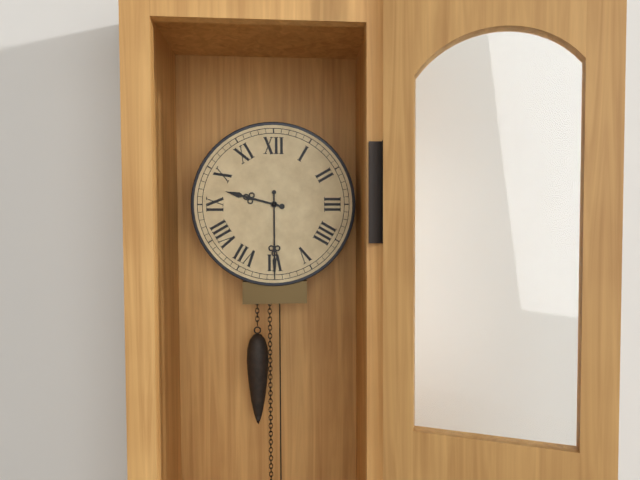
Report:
9:30
